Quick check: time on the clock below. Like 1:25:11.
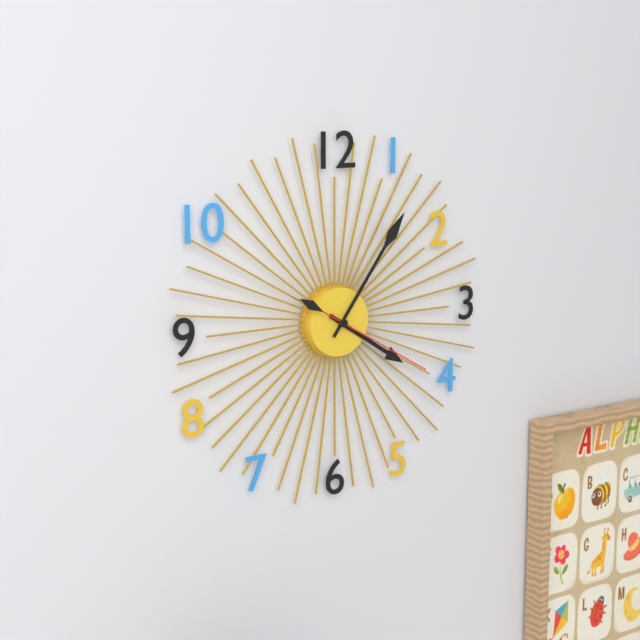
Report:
4:06:20
